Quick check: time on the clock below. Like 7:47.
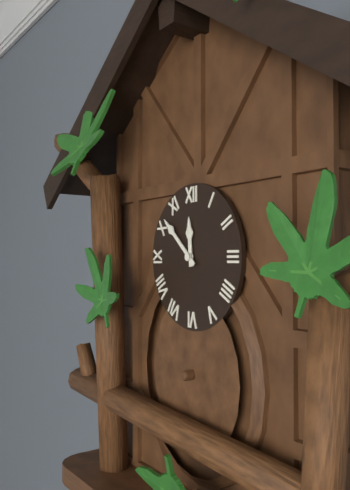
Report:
11:52
